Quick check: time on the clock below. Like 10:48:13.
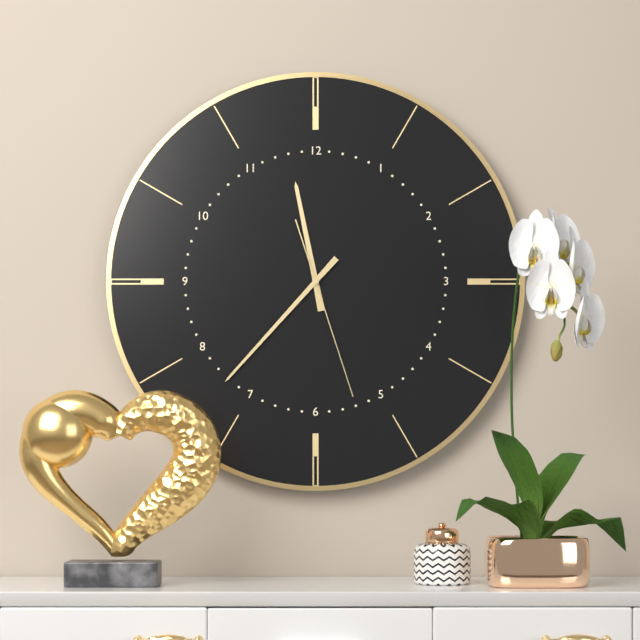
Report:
11:37:27
